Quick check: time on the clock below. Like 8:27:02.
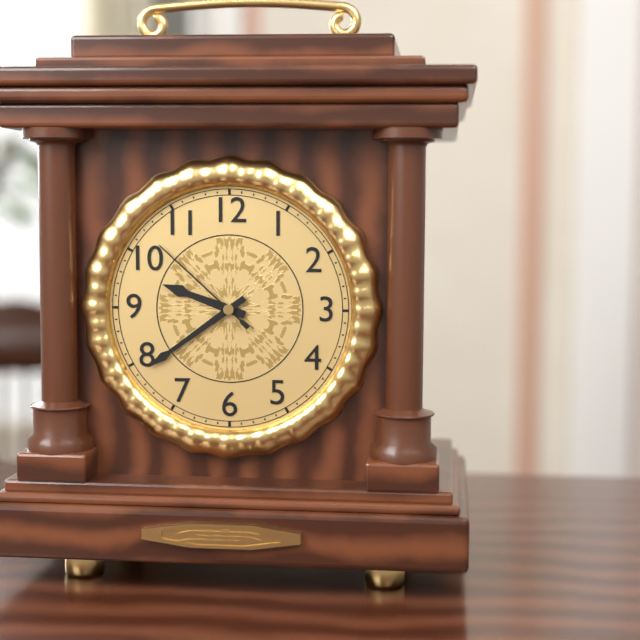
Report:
9:39:52
